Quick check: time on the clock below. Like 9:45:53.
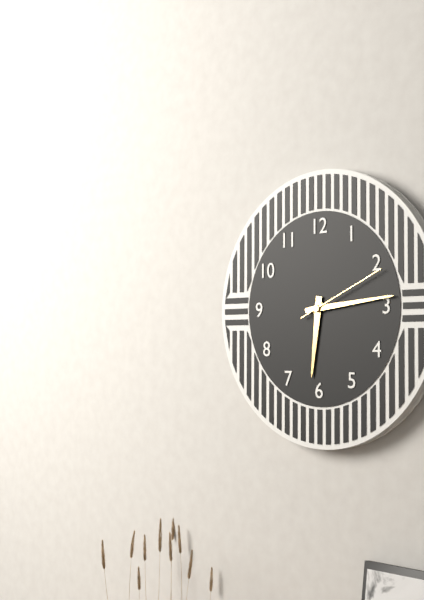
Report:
6:14:11
